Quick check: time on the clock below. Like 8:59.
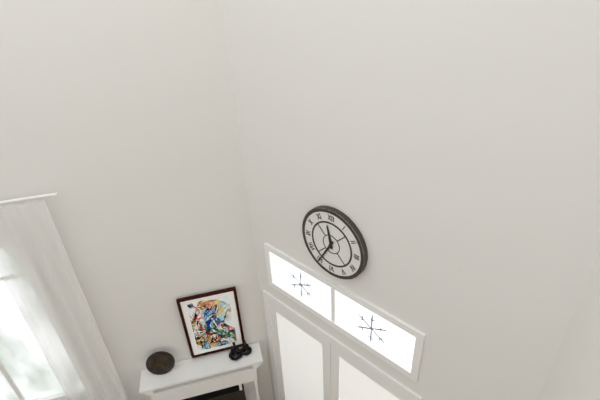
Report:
11:35
